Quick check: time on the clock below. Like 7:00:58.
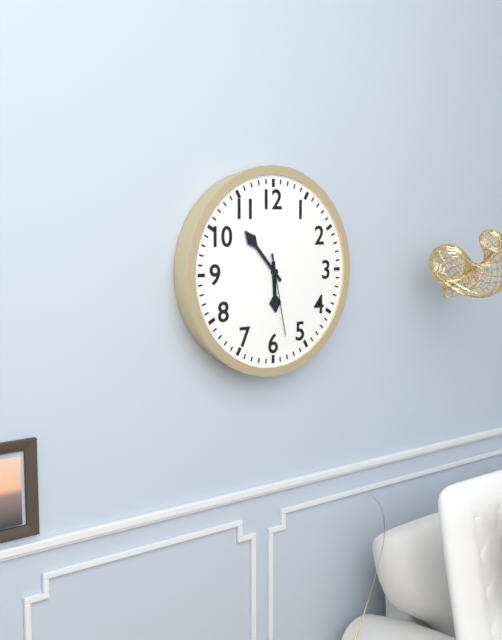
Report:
5:53:28
